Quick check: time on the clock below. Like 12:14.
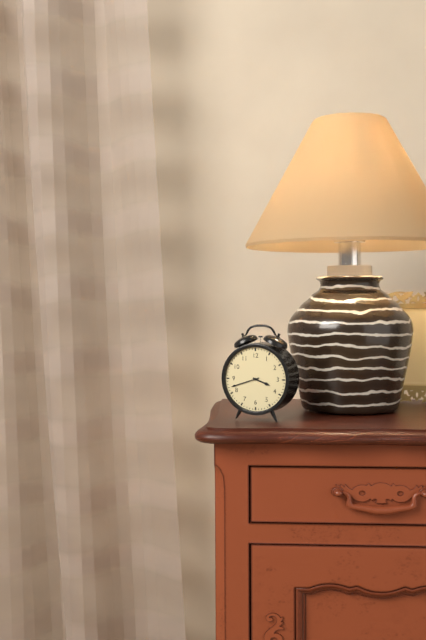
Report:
3:42
